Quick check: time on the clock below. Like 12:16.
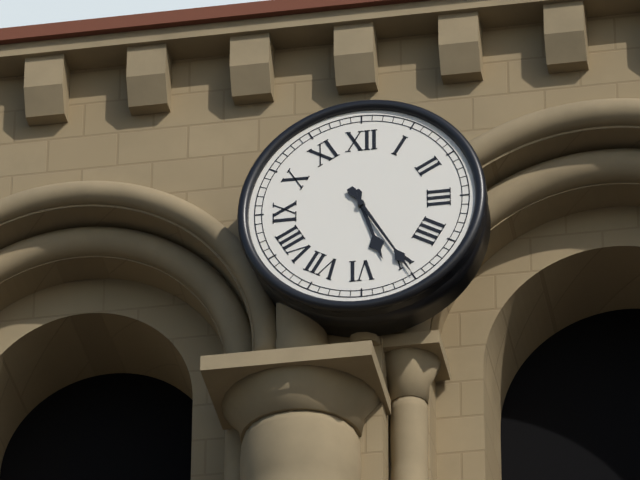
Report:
5:25
